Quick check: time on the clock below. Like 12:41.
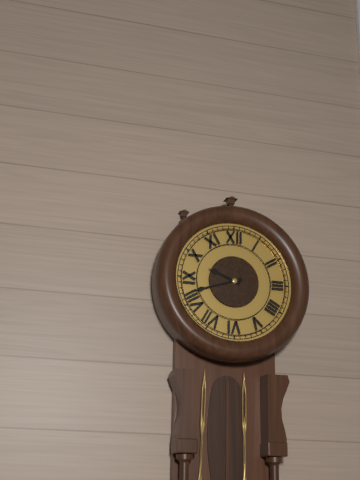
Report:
9:42
